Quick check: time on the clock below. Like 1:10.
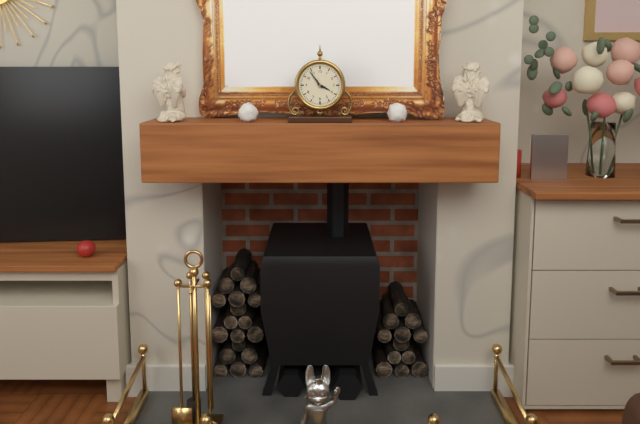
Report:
3:54
